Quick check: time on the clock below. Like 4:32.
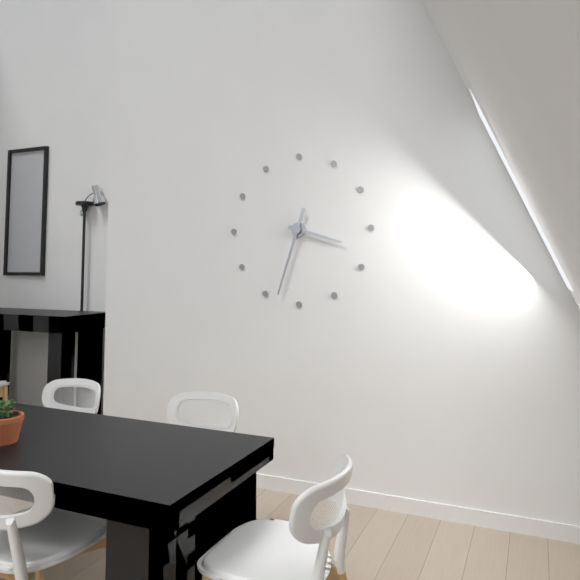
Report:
3:33
